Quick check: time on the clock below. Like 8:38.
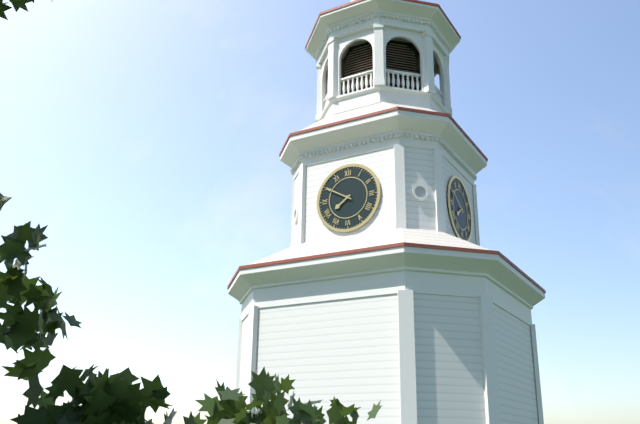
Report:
7:50
